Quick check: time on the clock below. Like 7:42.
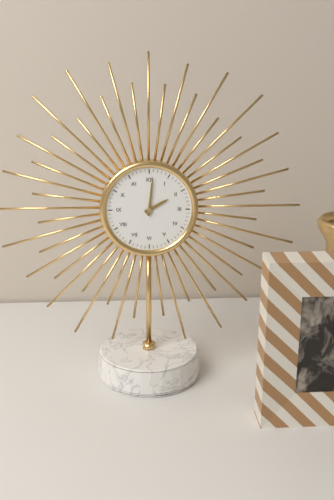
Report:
2:01
